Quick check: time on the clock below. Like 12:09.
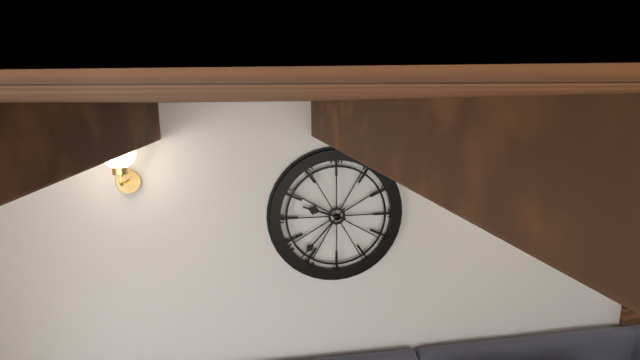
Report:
9:37
